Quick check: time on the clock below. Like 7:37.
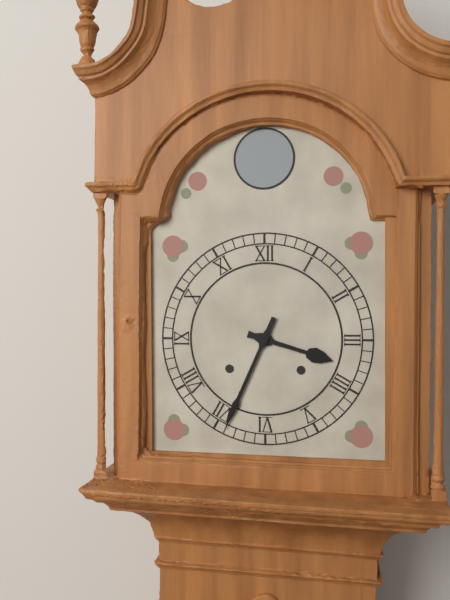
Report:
3:34
